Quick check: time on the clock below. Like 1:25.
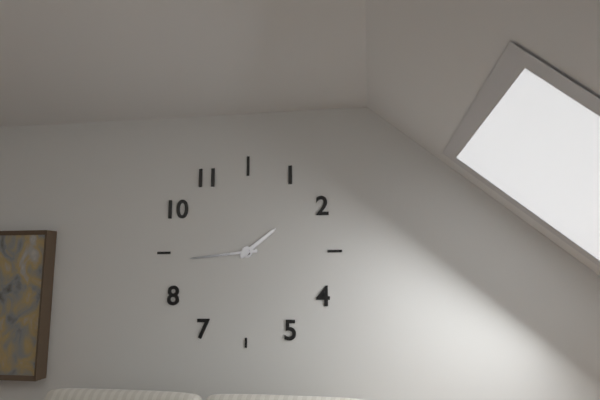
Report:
1:44
